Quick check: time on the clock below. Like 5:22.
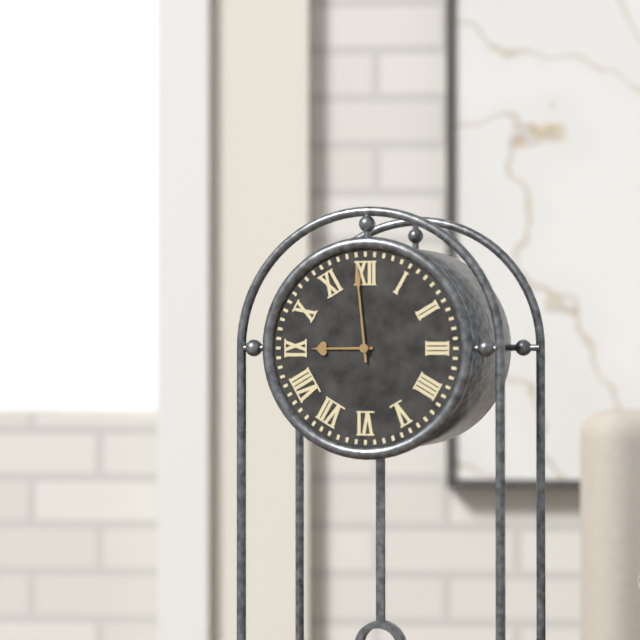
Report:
8:59
